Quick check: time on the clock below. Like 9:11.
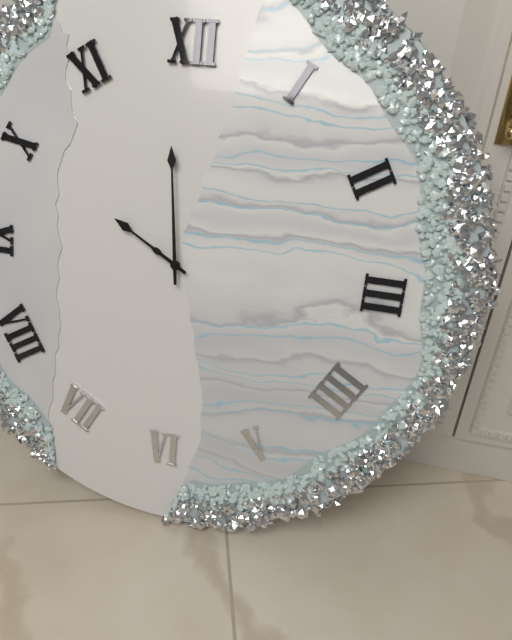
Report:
9:59
